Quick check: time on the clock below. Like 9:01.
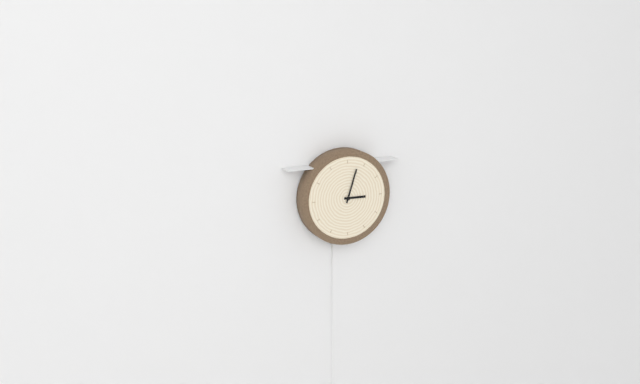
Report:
3:03
